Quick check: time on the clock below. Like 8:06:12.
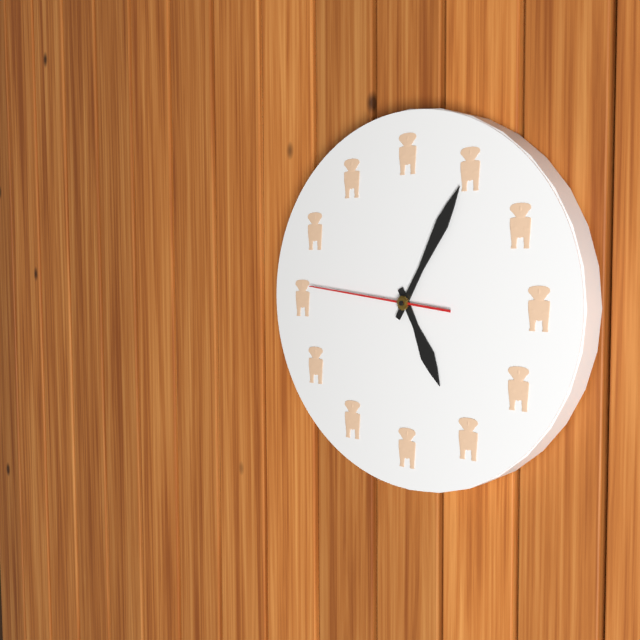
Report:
5:05:46
